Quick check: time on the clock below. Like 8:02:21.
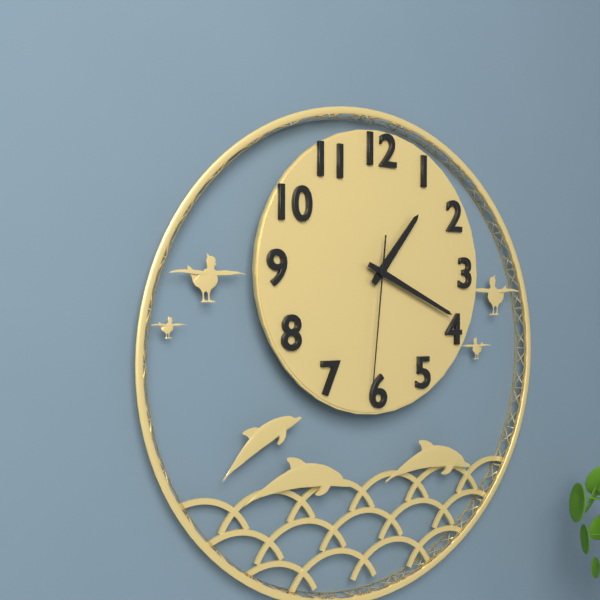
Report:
1:19:31
